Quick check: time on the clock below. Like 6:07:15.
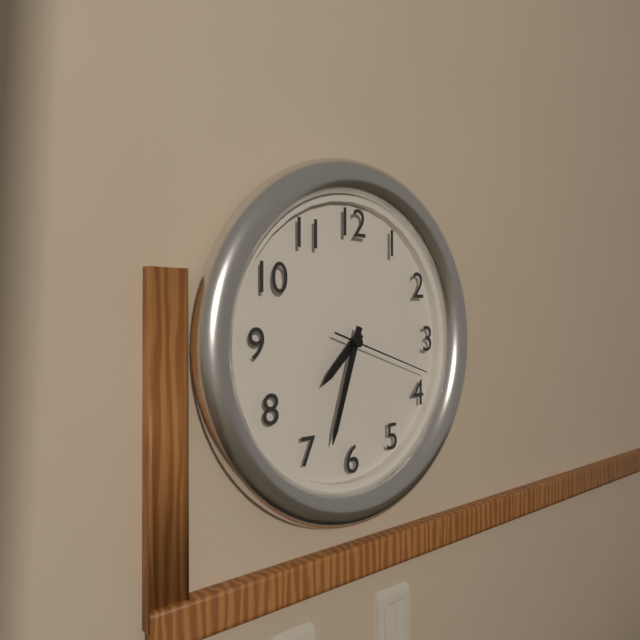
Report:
7:33:18
